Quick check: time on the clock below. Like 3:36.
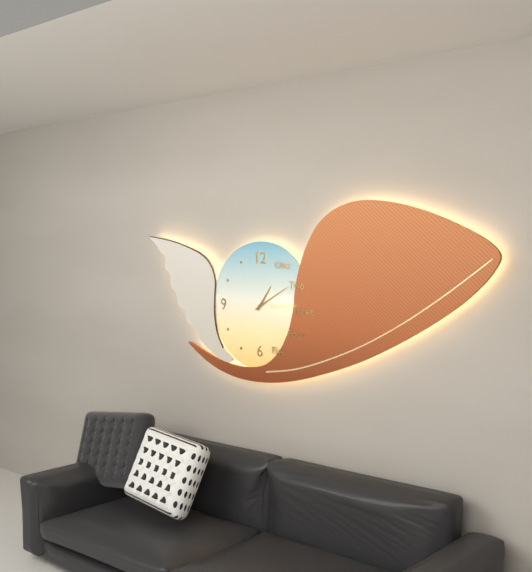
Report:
1:10
